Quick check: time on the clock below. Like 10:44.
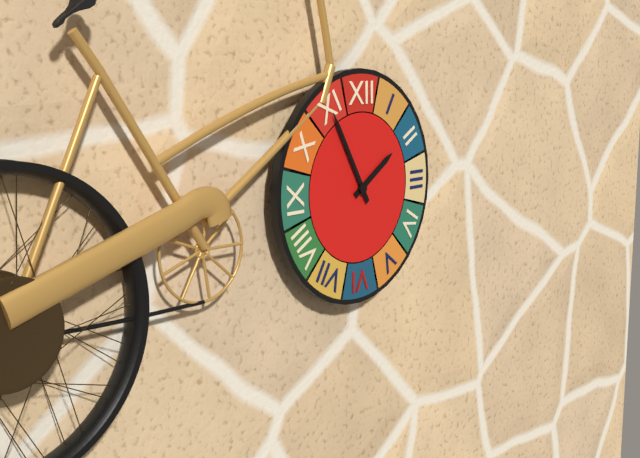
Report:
1:55
